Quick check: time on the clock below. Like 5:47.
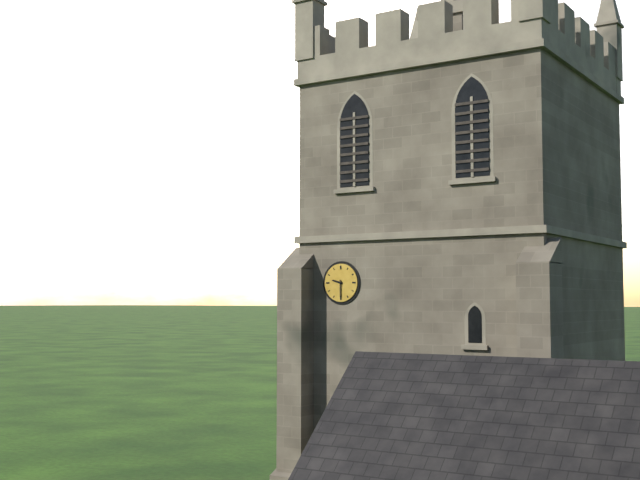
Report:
9:30
